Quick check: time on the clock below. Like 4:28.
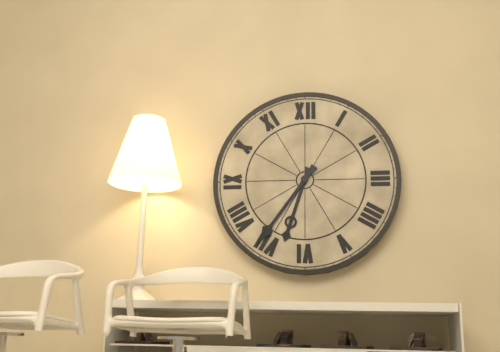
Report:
6:36
